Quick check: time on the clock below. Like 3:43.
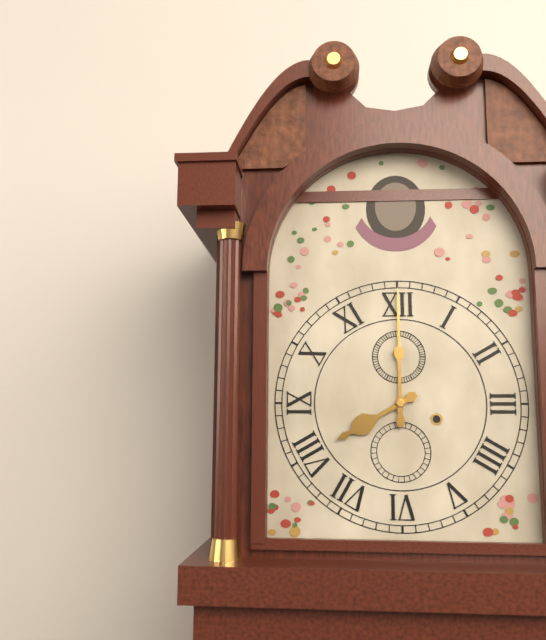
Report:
8:00
